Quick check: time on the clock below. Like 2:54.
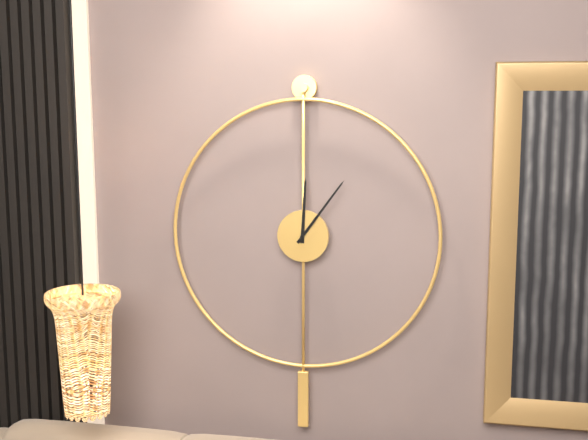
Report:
12:06
